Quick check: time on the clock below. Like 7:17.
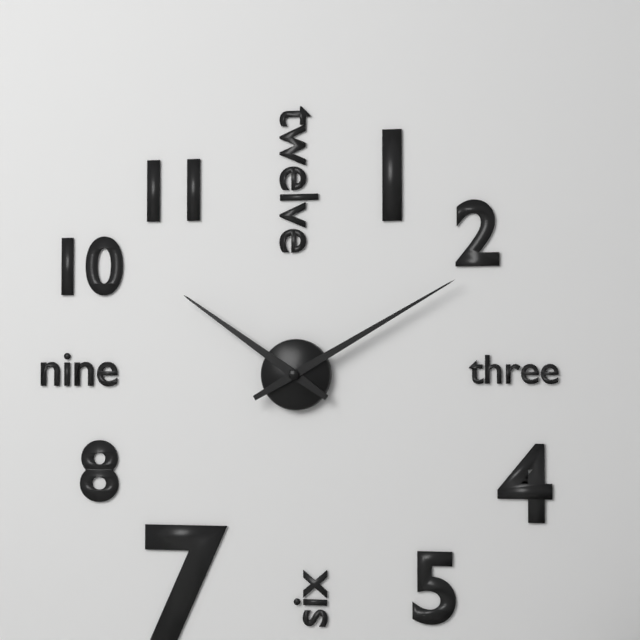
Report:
10:10
